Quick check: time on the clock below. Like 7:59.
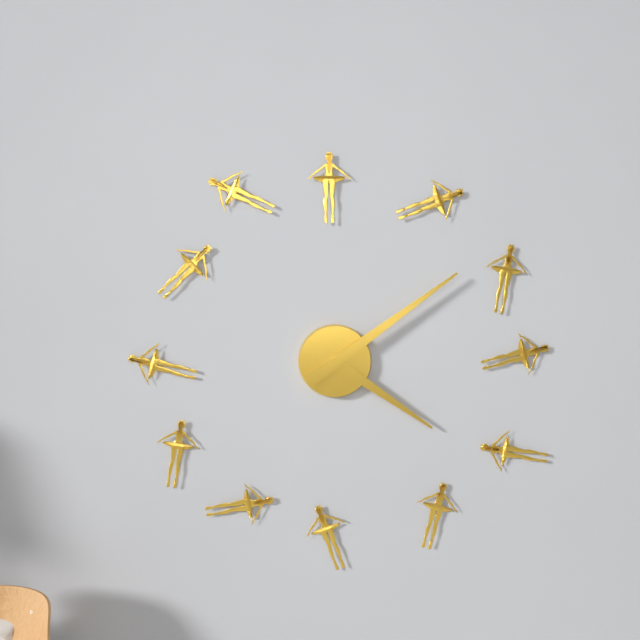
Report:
4:09
